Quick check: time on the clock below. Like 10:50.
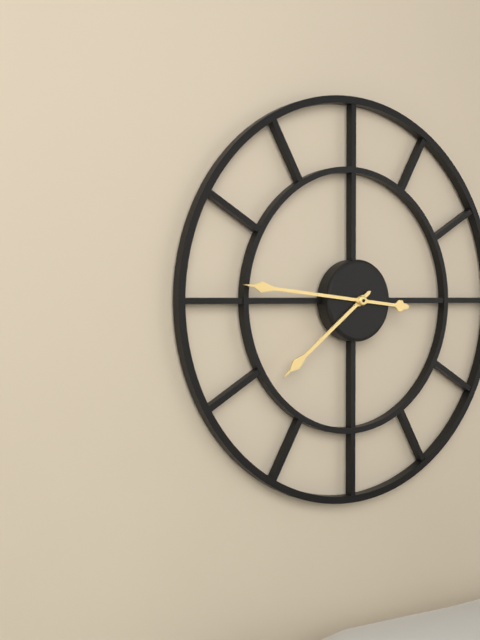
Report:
7:46
